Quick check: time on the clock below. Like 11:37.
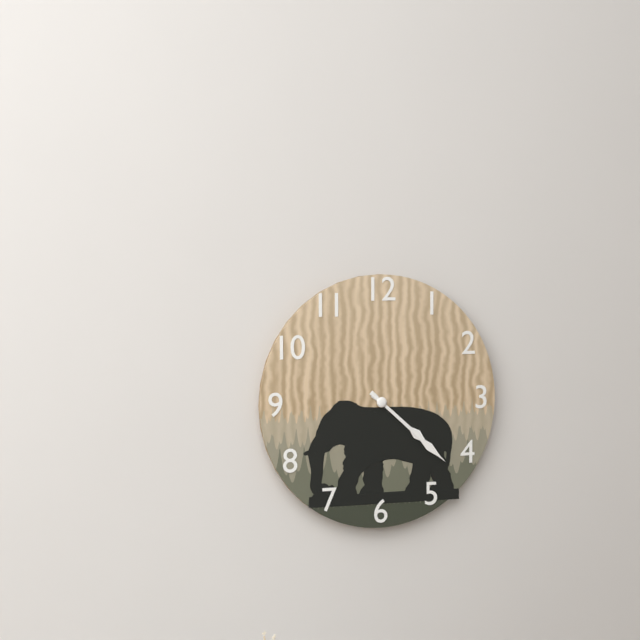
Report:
4:22
